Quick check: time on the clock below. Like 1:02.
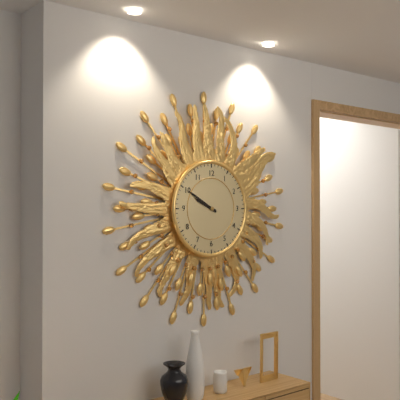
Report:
9:50
